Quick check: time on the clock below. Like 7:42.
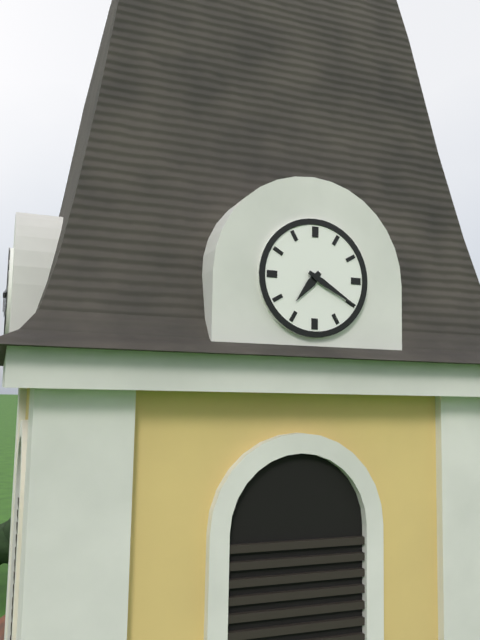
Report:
7:20
